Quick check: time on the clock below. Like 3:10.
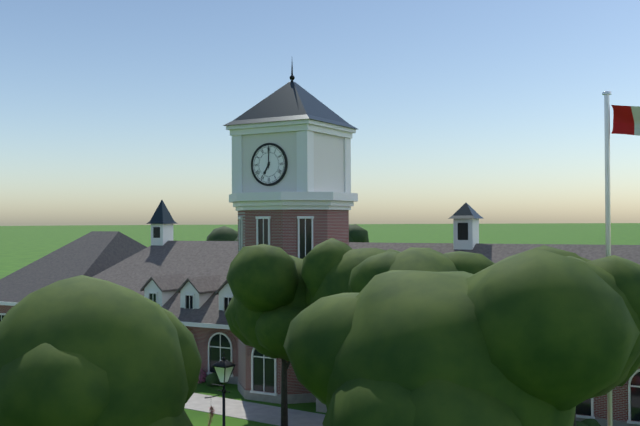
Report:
7:00
